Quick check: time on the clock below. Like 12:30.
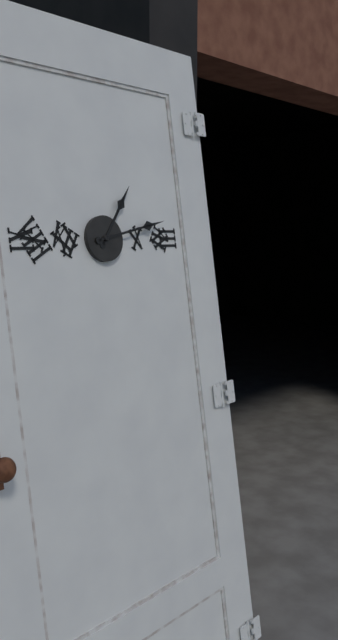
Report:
1:13
